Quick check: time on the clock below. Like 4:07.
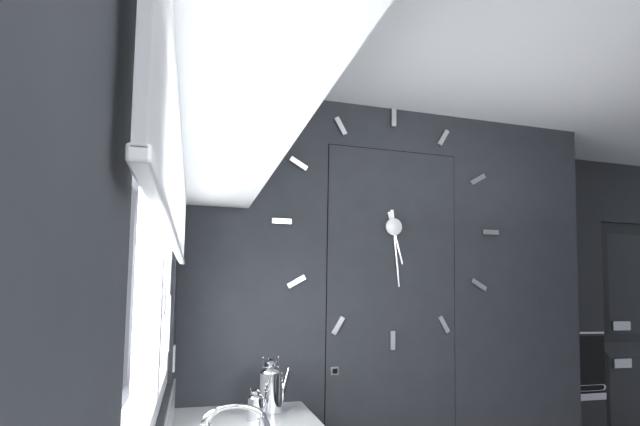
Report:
5:29
